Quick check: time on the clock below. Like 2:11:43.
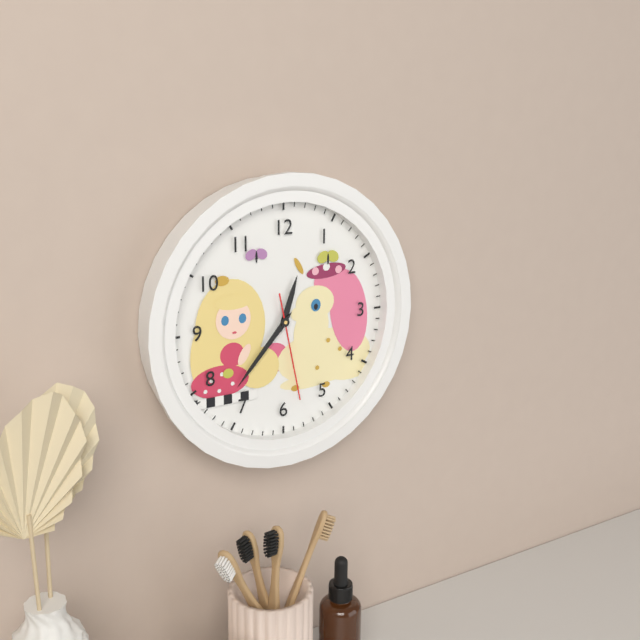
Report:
12:37:28
